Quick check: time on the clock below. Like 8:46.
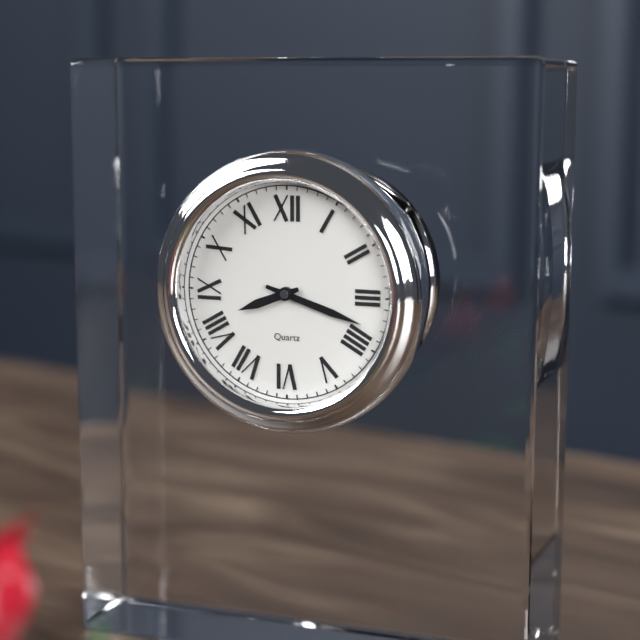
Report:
8:18
